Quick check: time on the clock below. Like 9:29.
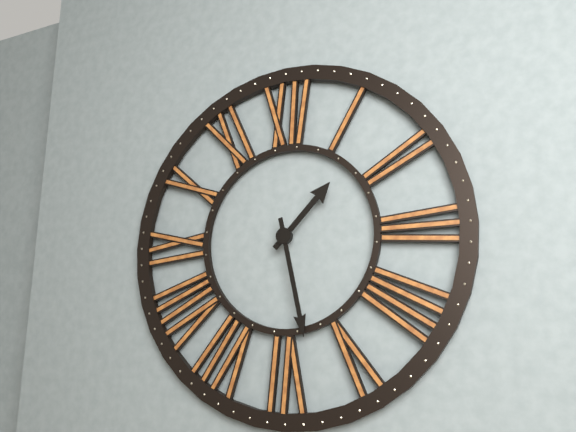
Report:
1:28
